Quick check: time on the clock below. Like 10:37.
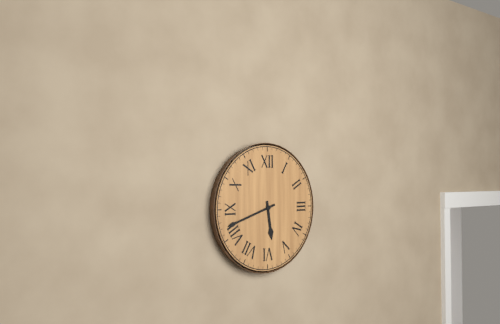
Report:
5:42
